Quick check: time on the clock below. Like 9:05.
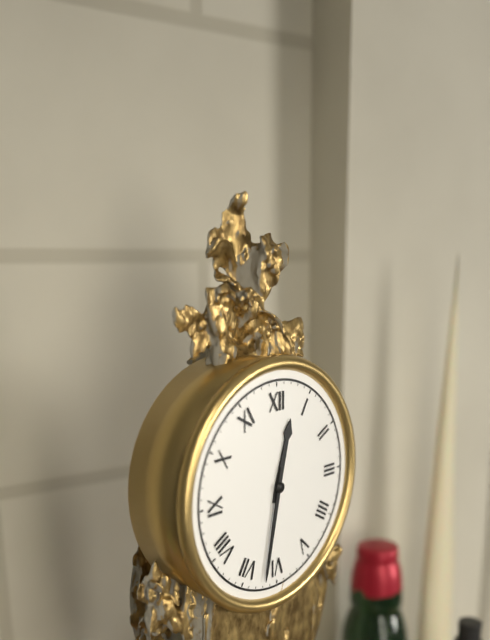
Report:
12:32
